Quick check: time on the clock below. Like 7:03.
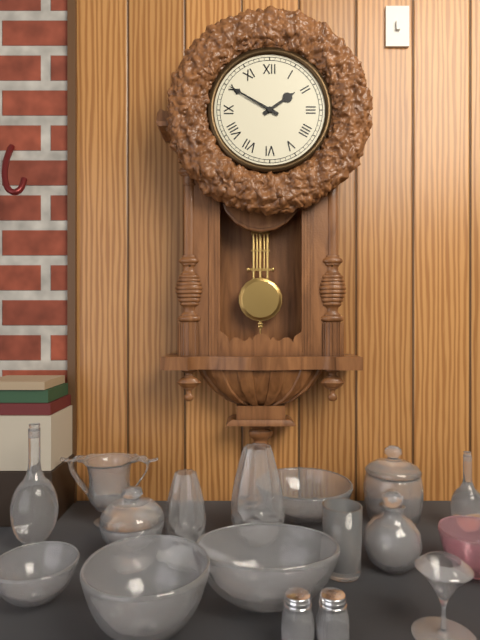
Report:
1:50
